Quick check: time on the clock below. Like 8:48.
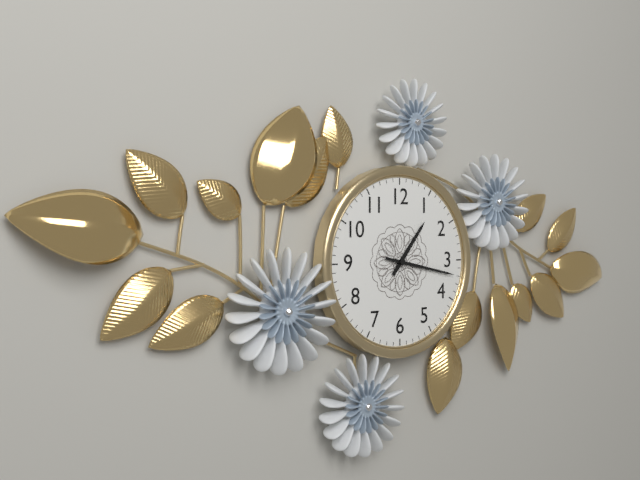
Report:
1:17
